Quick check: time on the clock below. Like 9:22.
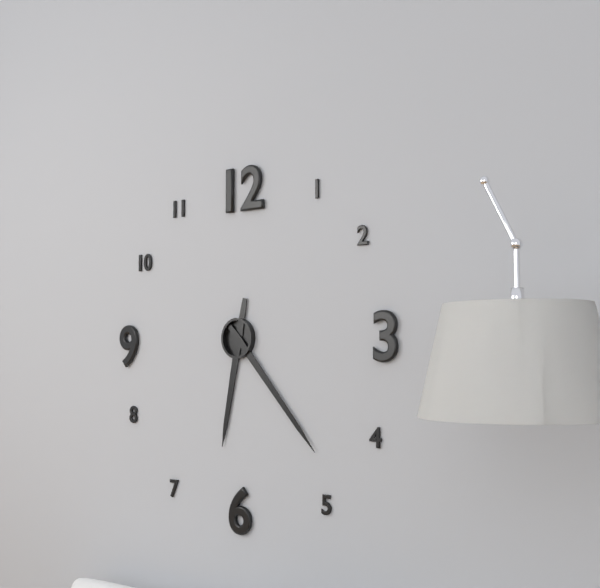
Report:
6:23
